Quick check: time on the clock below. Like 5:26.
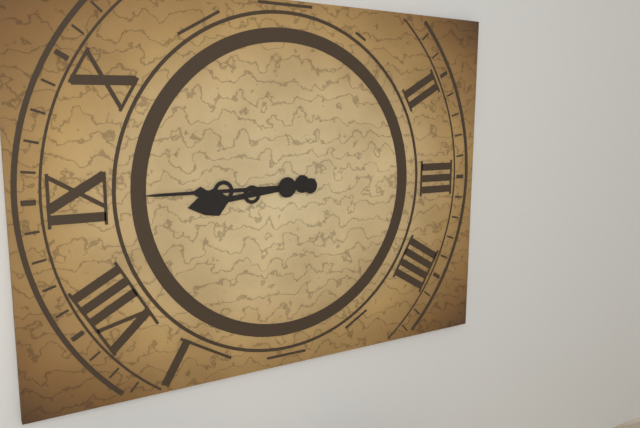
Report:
8:45
